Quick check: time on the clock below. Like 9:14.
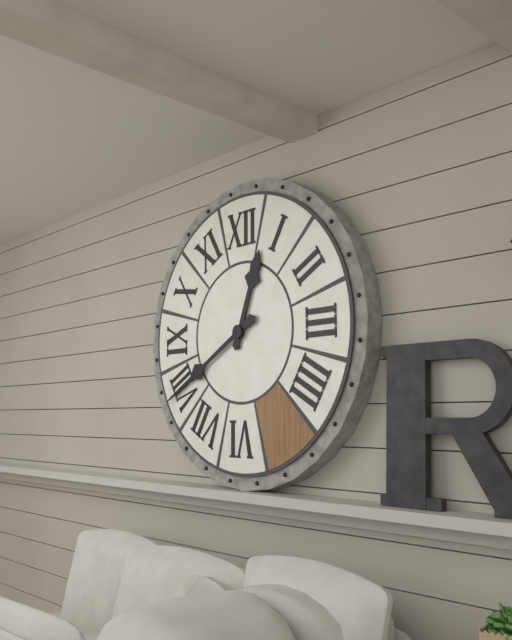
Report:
12:40
